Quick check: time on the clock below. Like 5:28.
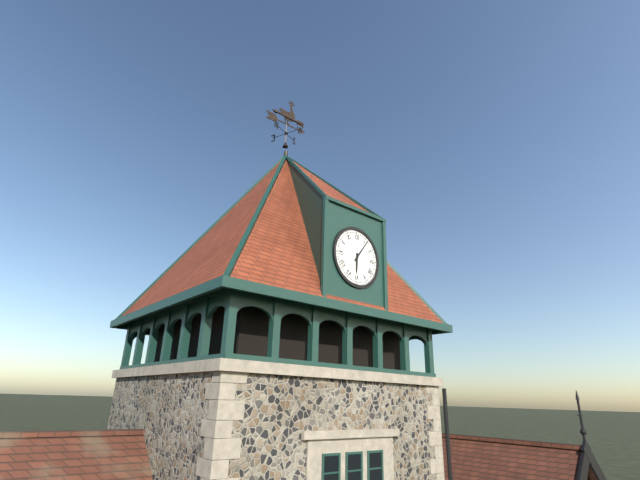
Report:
6:06
